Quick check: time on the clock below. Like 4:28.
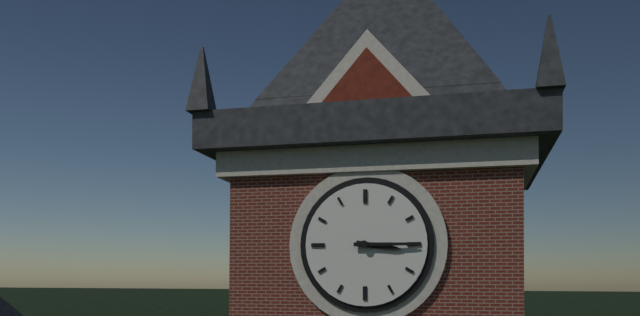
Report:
3:15
